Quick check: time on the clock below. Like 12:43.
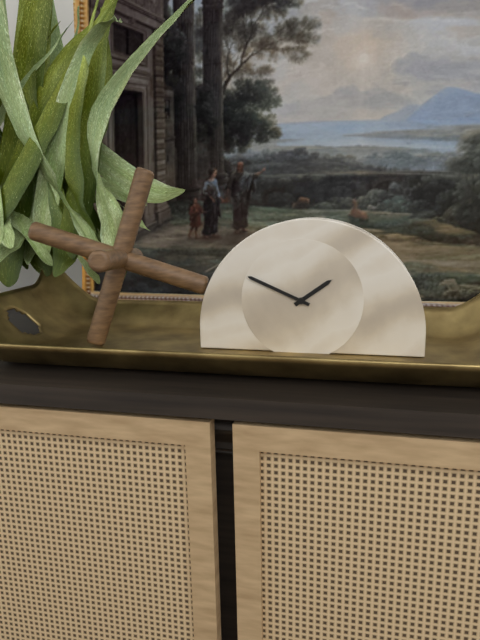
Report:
1:49
